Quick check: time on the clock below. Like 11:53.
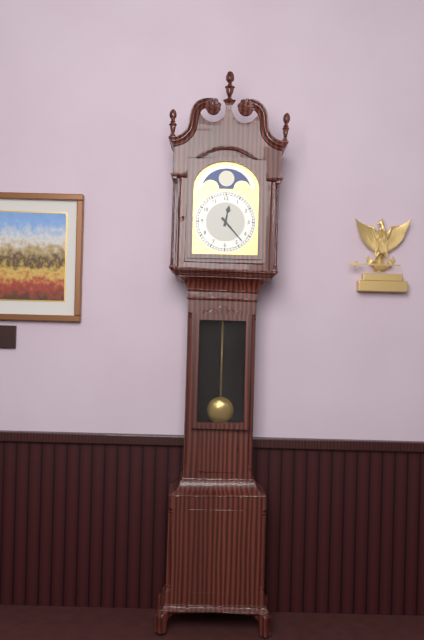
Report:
12:23
